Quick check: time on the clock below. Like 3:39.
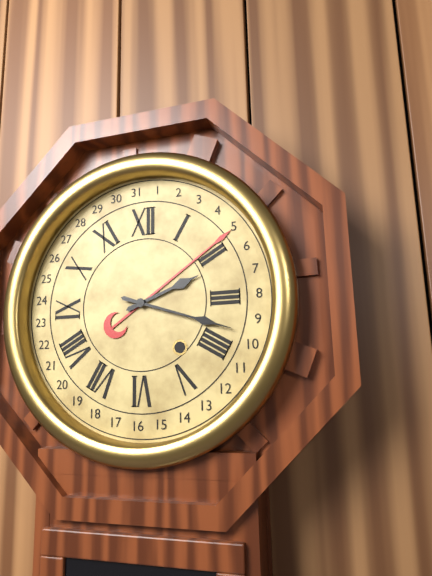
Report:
2:18
